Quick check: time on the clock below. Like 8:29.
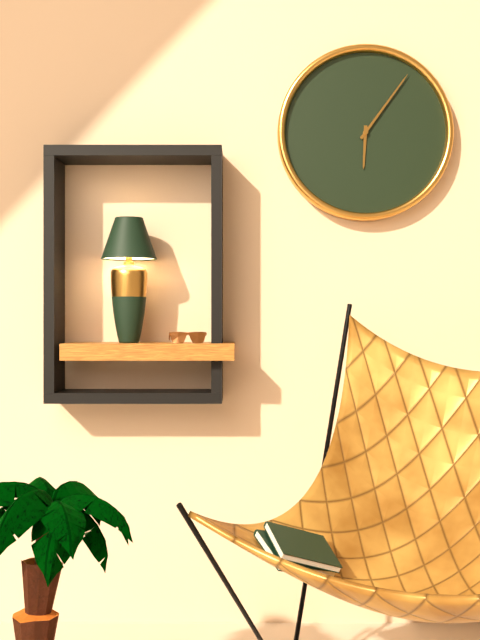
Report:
6:06
